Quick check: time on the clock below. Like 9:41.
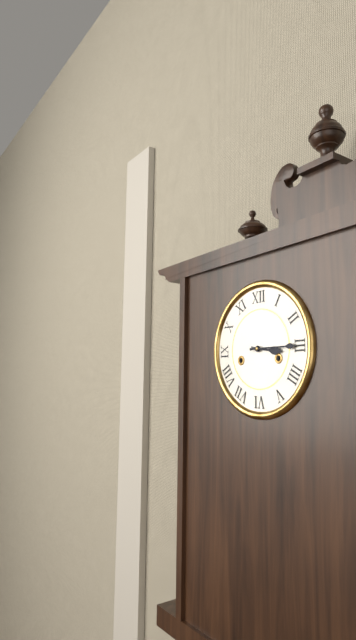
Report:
3:15
